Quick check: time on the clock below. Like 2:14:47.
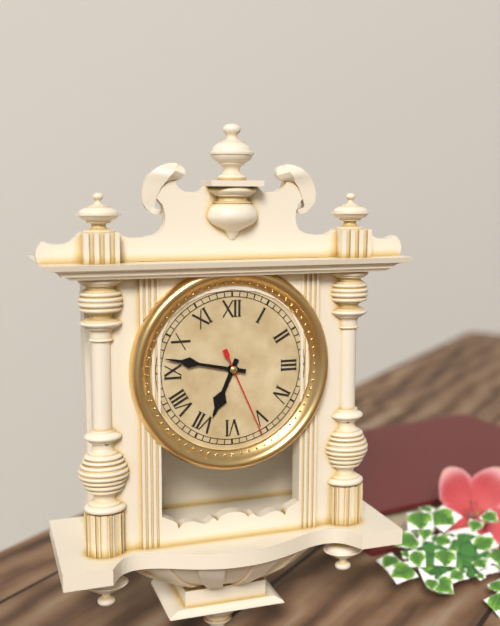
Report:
6:47:26
